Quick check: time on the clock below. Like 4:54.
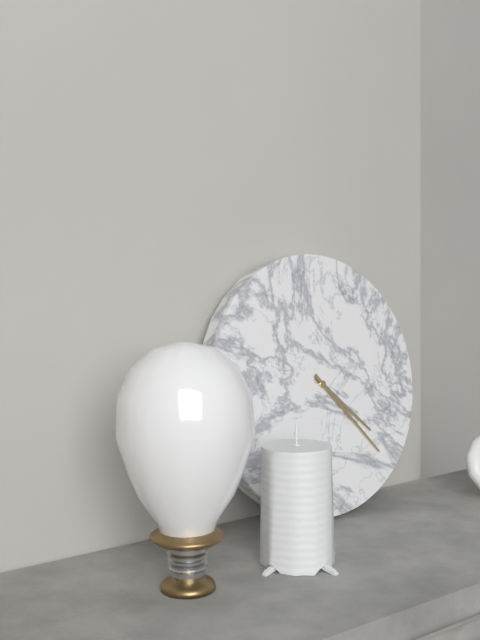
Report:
4:23
